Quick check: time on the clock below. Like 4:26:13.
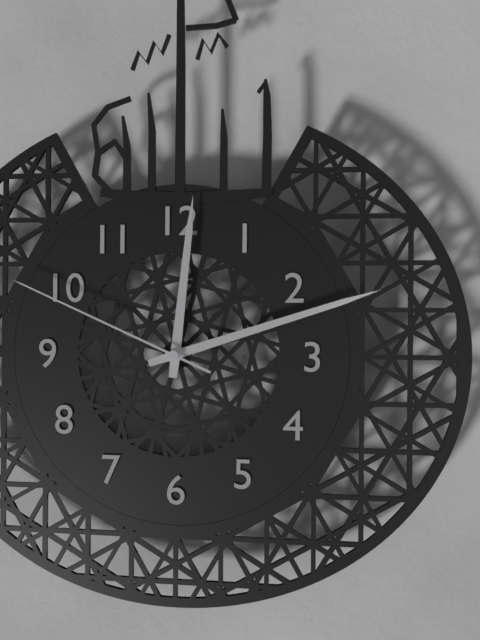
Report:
12:12:49
